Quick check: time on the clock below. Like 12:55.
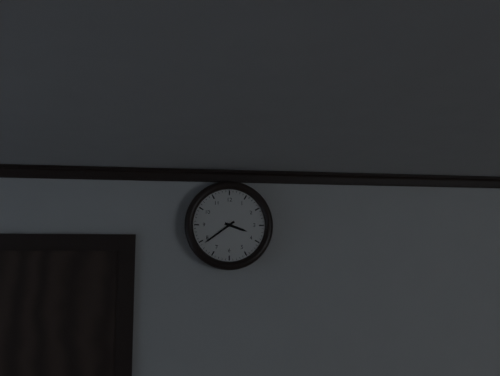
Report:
3:39
